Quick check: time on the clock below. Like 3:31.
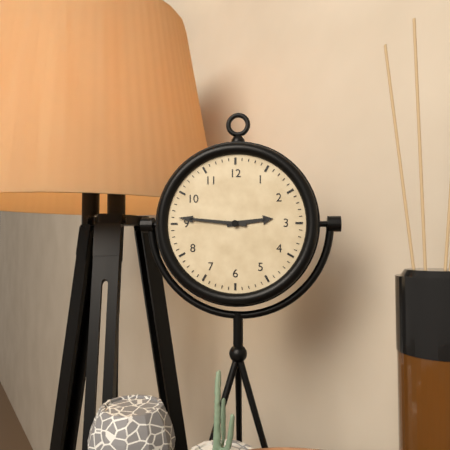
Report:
2:46
